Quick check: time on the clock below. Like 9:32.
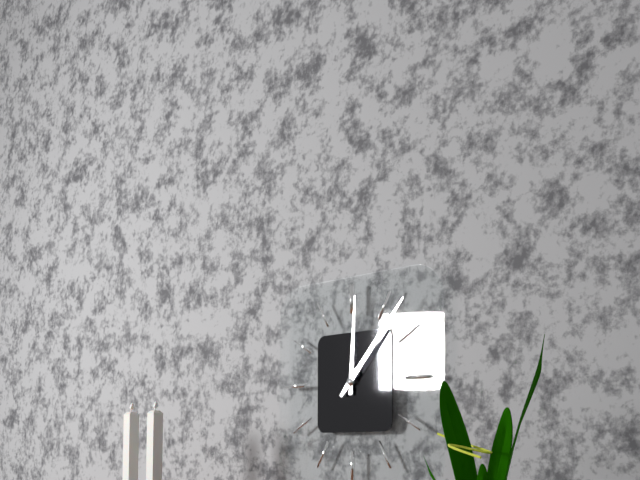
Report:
12:07
